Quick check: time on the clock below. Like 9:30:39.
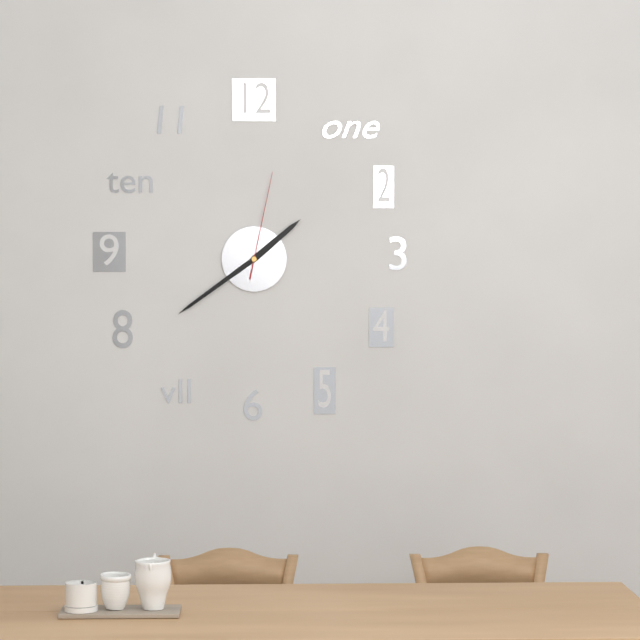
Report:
1:39:02
